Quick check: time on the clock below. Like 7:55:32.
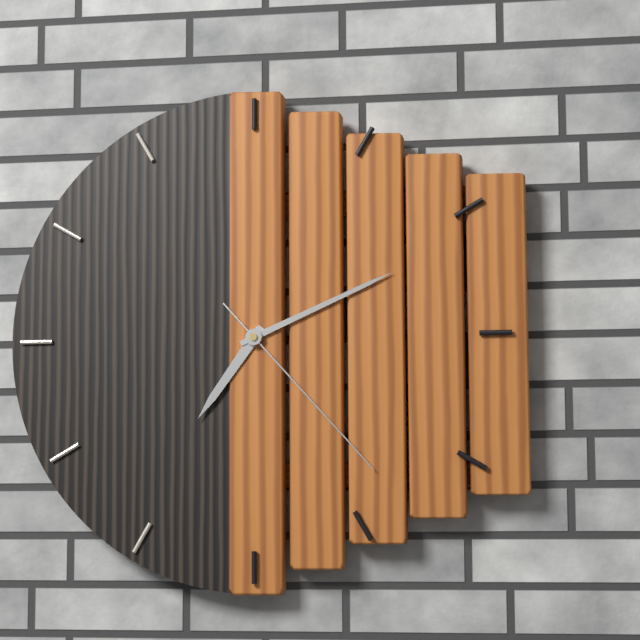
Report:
7:11:23
